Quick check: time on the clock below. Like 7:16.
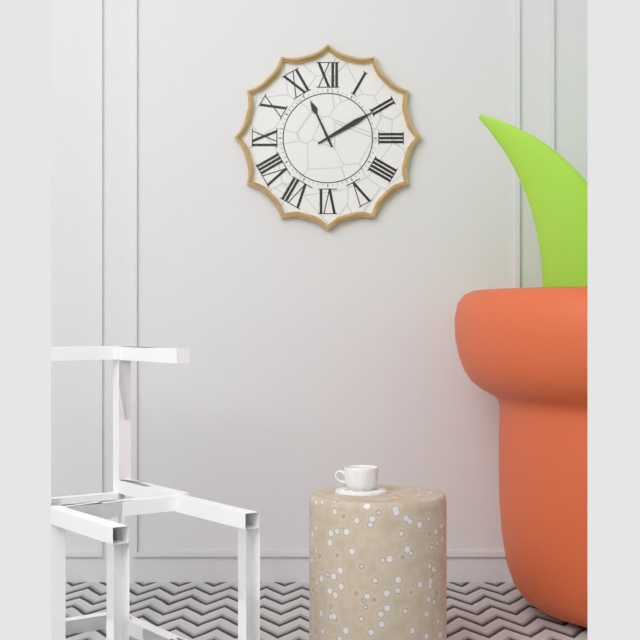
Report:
11:10
